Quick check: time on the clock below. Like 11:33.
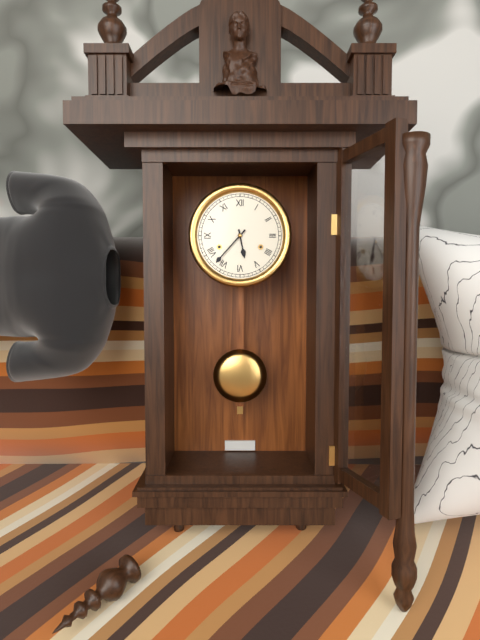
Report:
5:37
